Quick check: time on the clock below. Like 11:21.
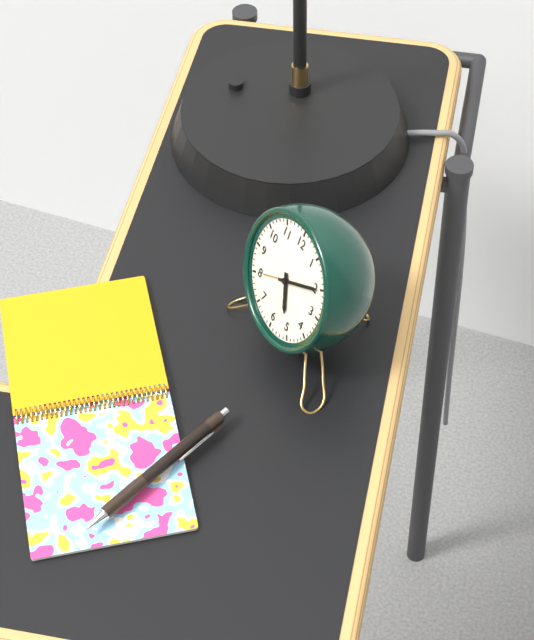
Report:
5:10
